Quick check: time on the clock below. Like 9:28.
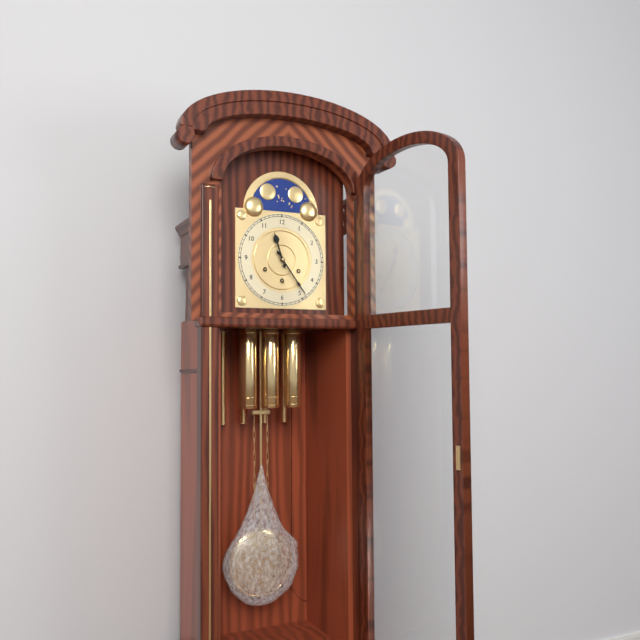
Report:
11:24
